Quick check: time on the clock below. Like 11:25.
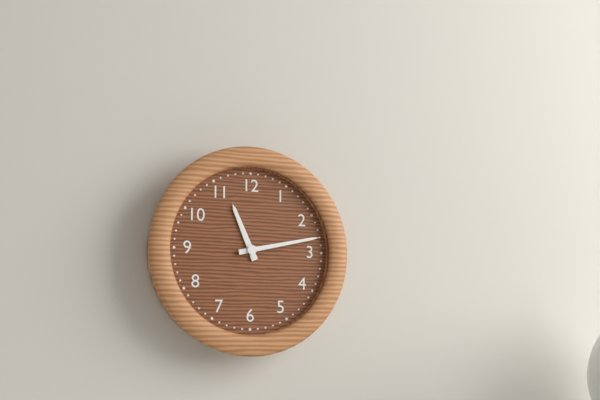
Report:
11:13
